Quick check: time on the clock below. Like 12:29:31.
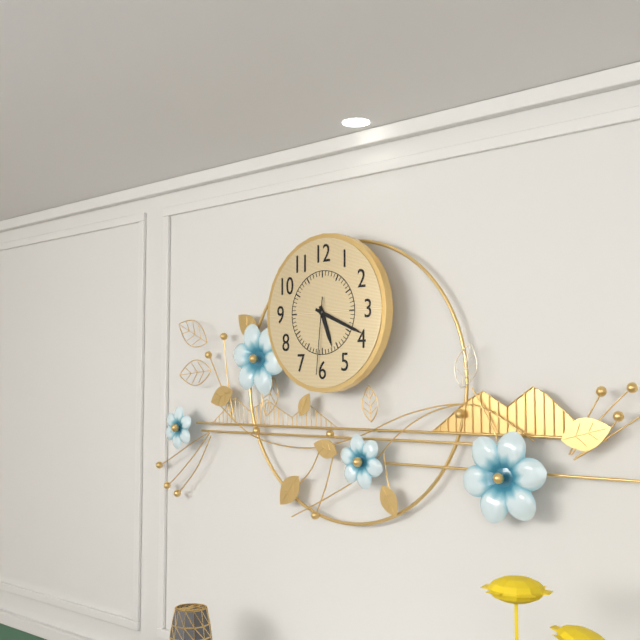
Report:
5:19:31
